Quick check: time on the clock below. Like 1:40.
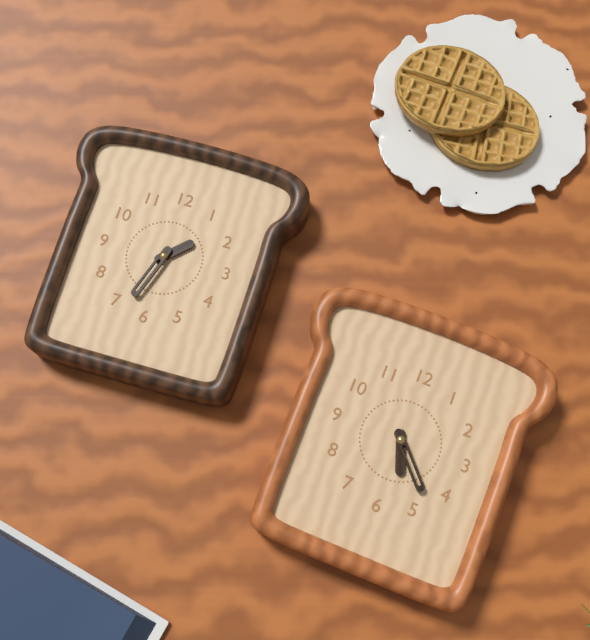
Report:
5:23
